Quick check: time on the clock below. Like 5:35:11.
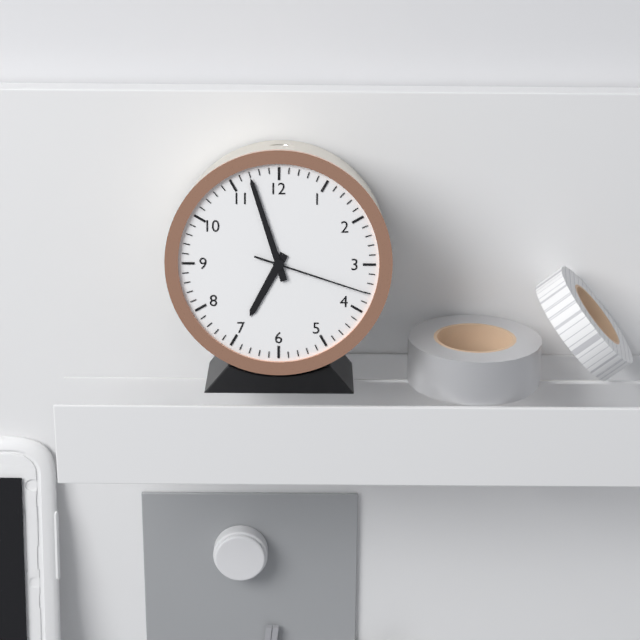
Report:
6:57:18
